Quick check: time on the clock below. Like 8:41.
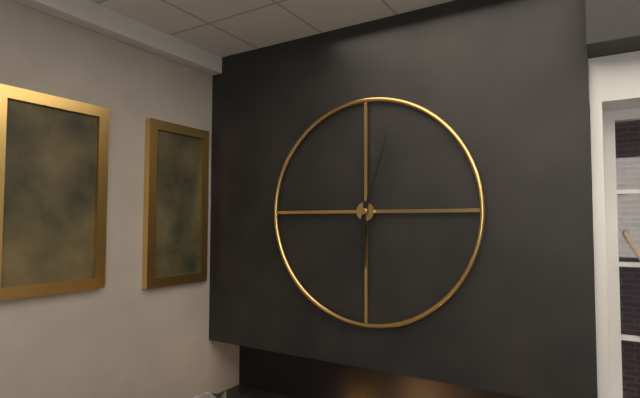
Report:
6:03
